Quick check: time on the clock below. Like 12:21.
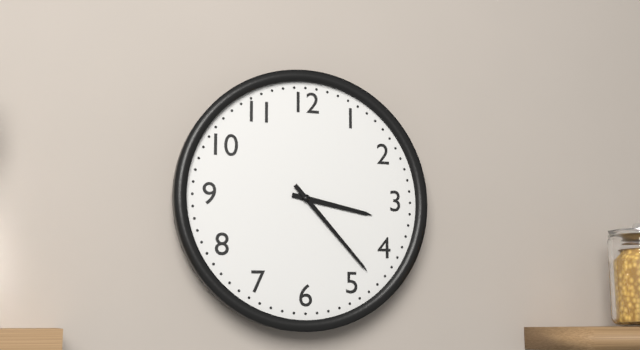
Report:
3:23
